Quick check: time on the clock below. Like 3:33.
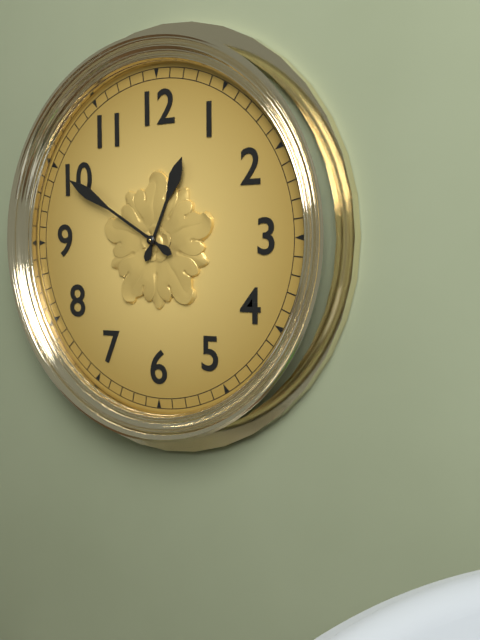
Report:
12:50
